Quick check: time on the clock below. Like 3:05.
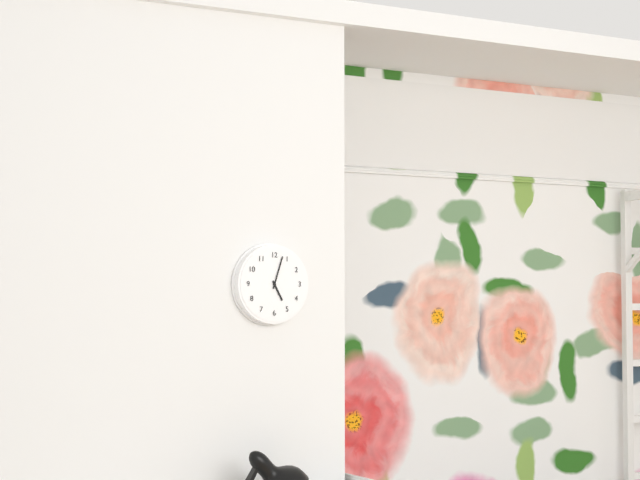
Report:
5:03
